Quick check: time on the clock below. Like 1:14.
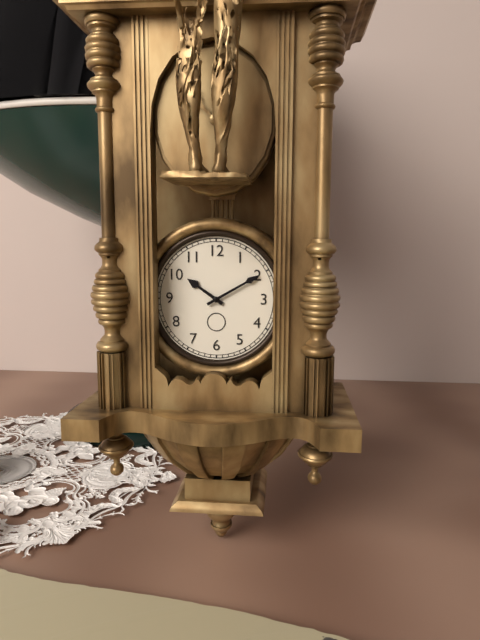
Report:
10:10
